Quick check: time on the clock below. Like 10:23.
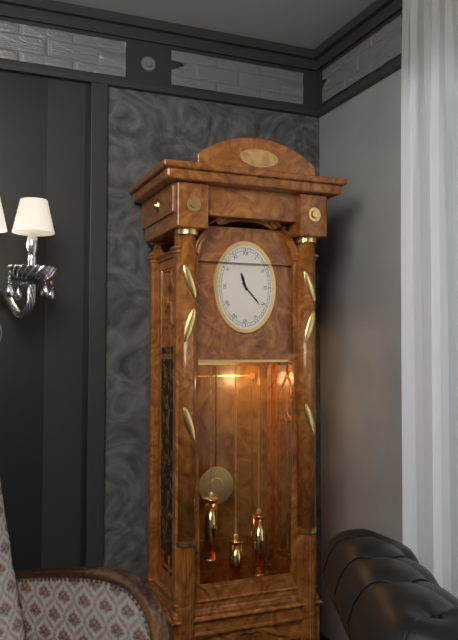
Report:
11:23
